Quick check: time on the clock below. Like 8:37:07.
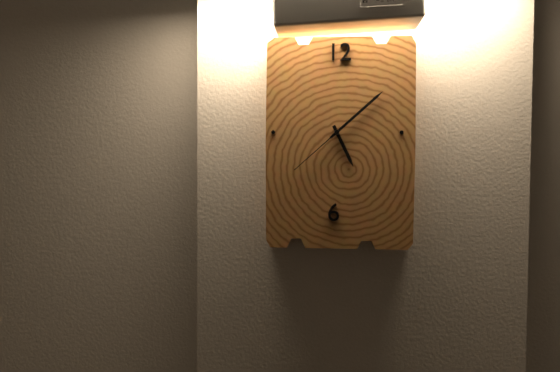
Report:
5:08:38
